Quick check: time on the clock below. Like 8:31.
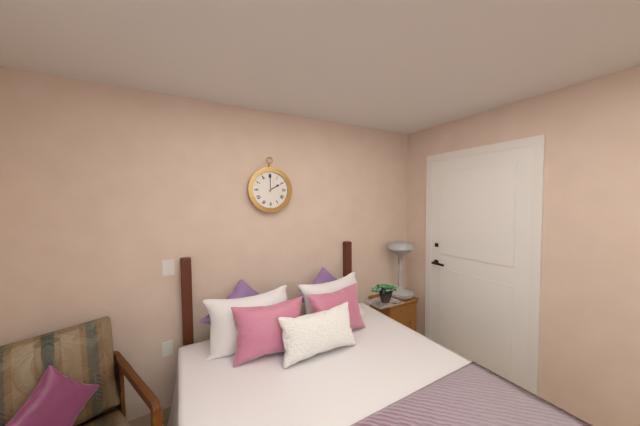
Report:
2:00
